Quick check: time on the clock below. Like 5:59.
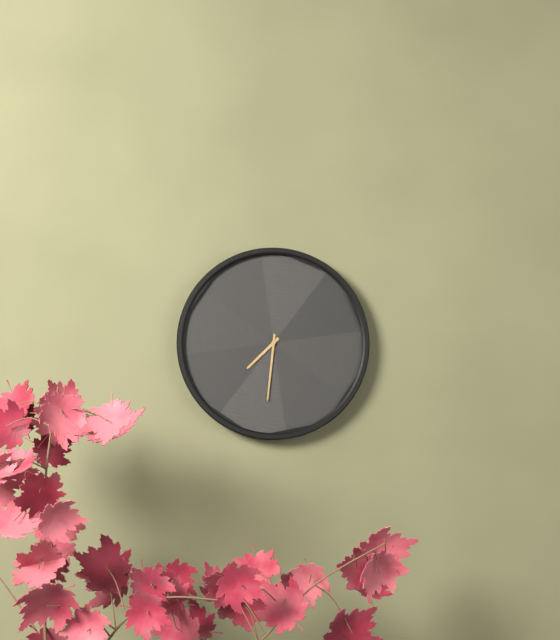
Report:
7:31
